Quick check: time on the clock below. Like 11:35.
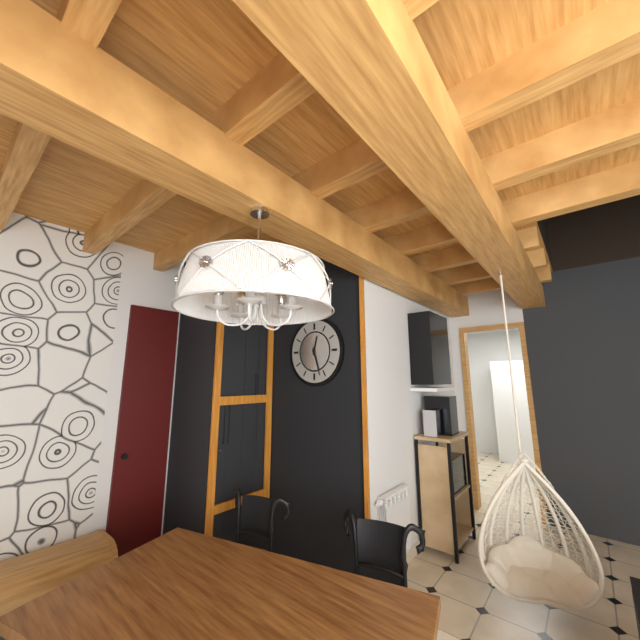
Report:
12:27
